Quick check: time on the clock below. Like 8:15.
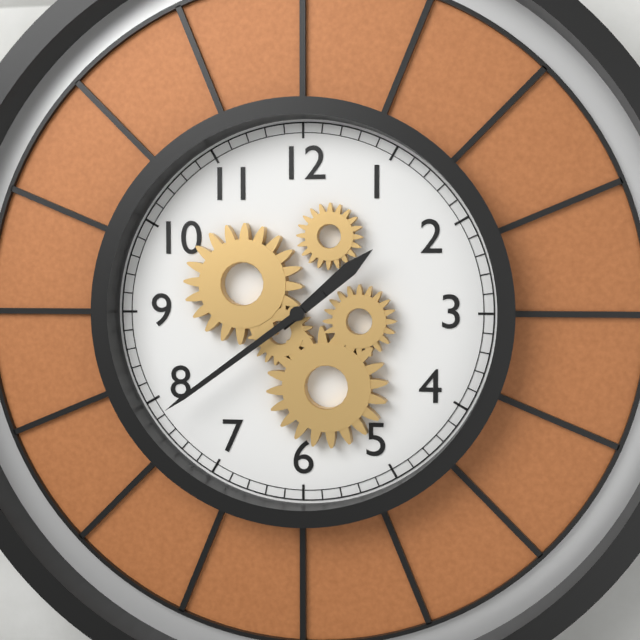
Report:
1:39
